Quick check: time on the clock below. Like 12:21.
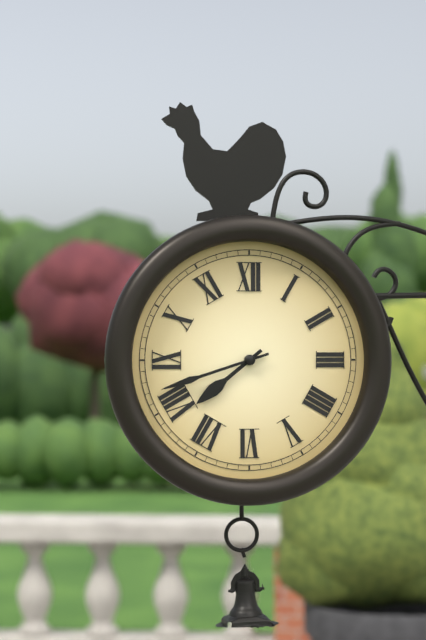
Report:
7:42
